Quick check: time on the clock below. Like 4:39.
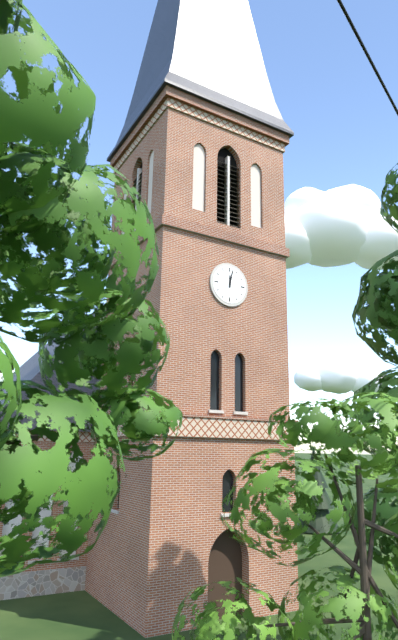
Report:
12:02
